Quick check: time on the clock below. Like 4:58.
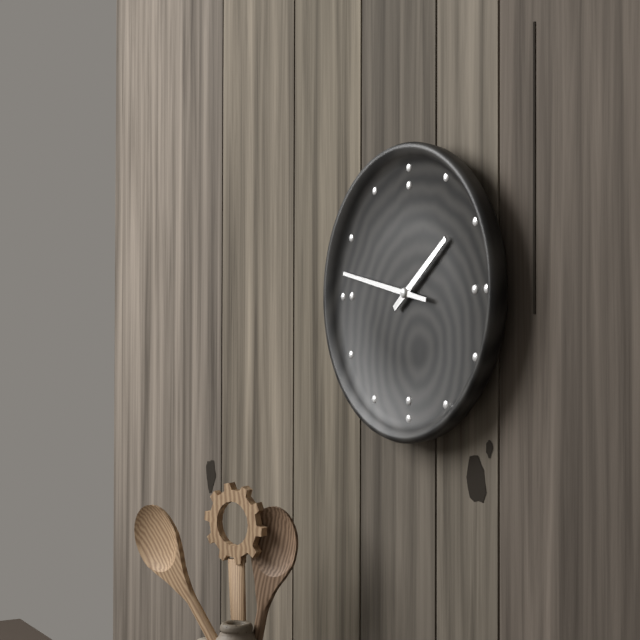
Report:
1:47
